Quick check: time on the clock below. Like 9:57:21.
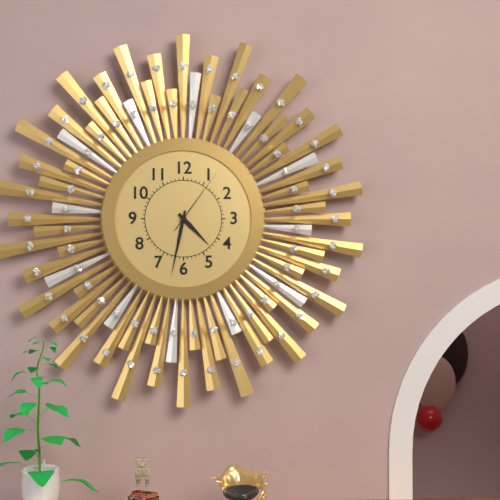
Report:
4:32:06
